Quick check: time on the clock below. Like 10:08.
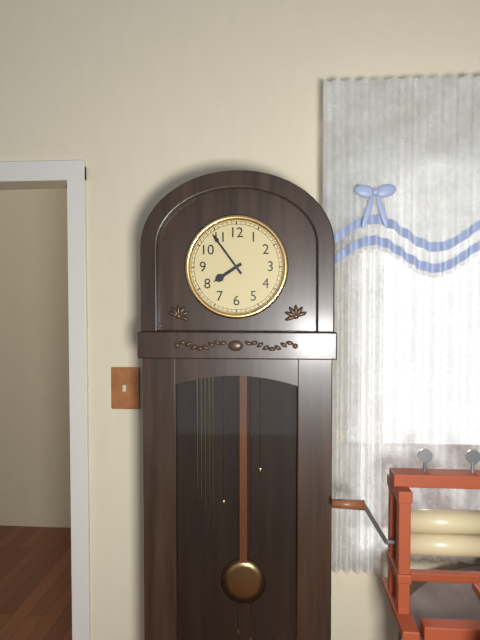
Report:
7:54
